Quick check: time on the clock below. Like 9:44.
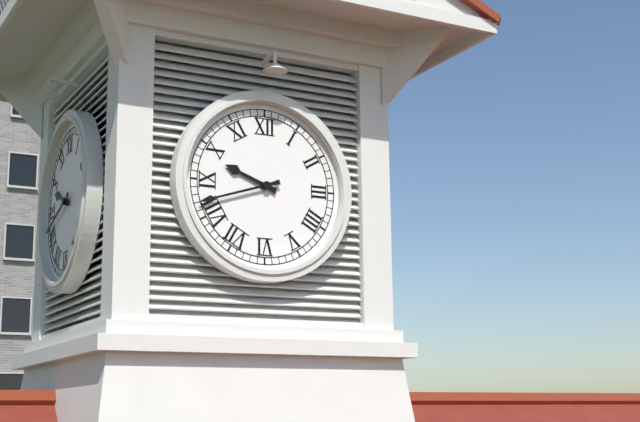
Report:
9:42
